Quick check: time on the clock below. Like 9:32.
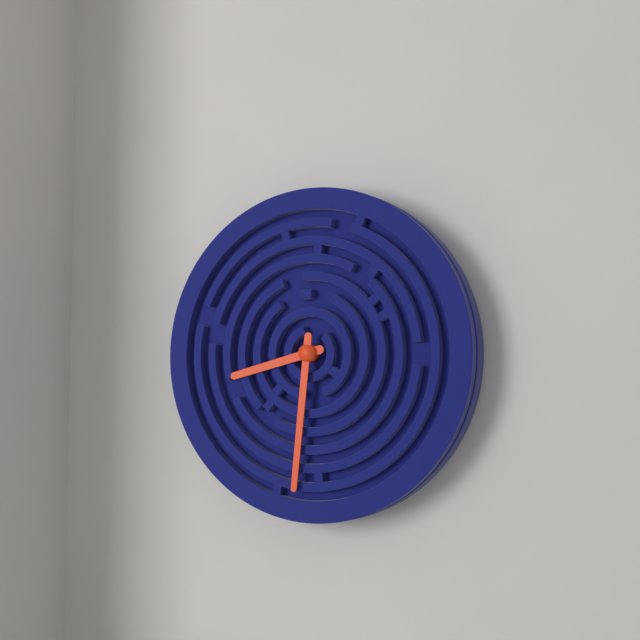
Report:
8:31
